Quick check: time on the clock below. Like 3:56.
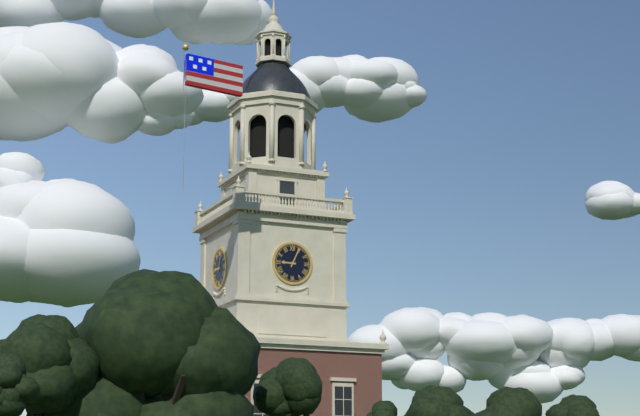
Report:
9:04
